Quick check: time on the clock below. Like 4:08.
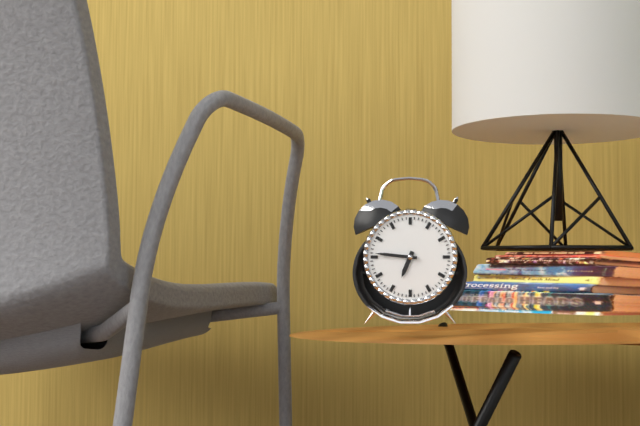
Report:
6:46
